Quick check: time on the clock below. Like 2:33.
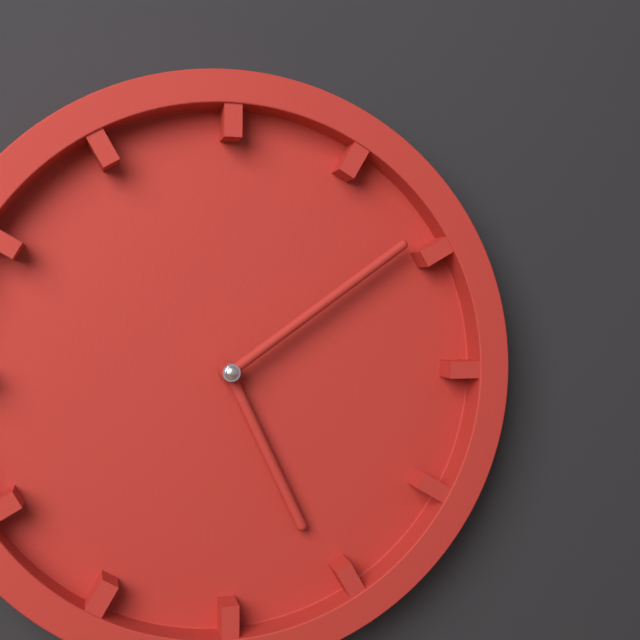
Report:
5:09
